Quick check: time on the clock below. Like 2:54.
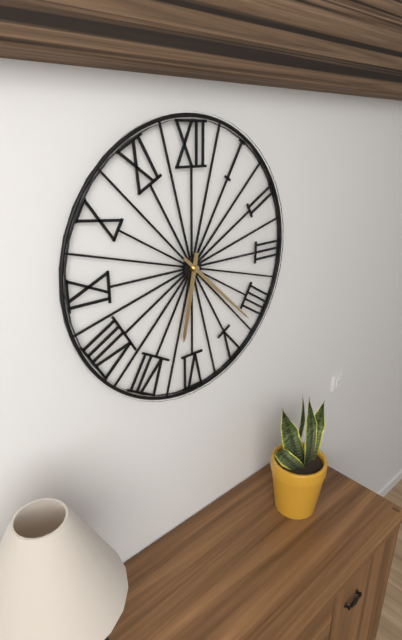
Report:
6:22
